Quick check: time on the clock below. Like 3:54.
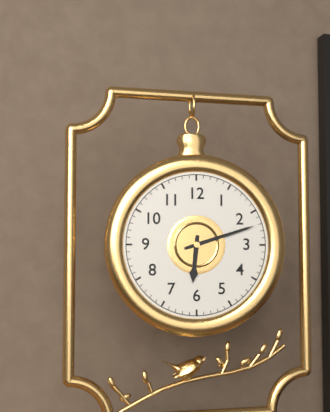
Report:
6:12
